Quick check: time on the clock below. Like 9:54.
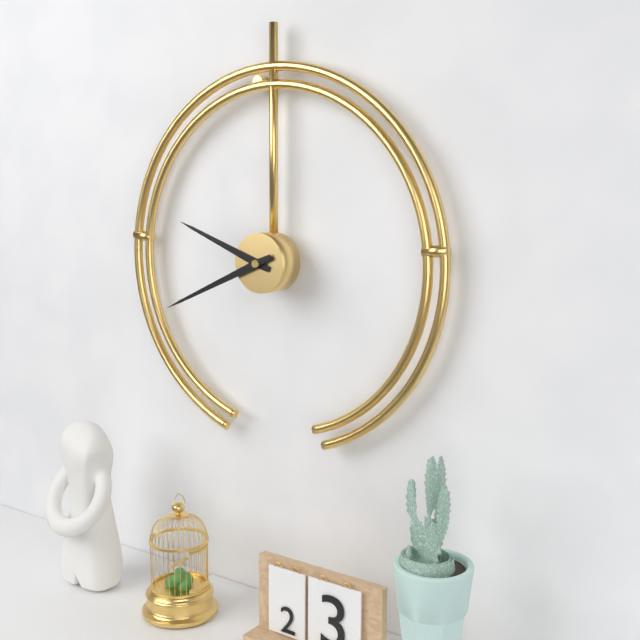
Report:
9:41
